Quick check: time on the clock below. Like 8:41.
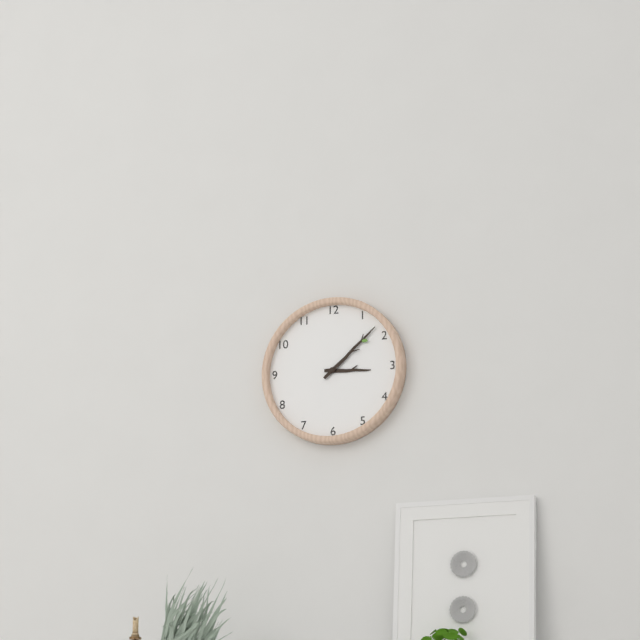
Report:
3:08
